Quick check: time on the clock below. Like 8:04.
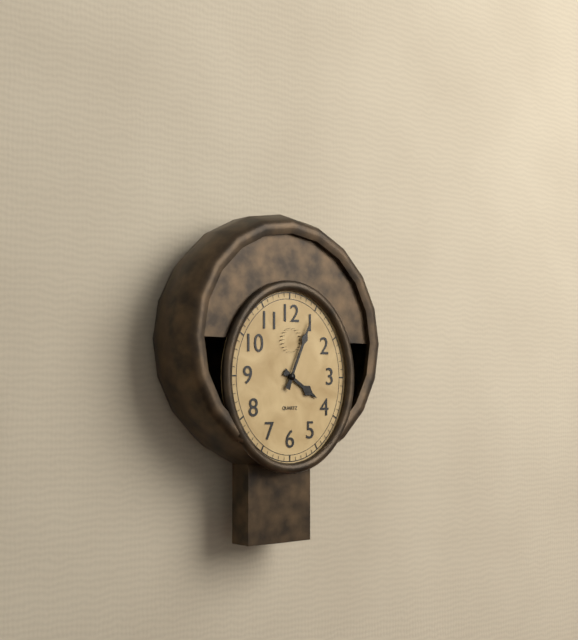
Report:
4:04
